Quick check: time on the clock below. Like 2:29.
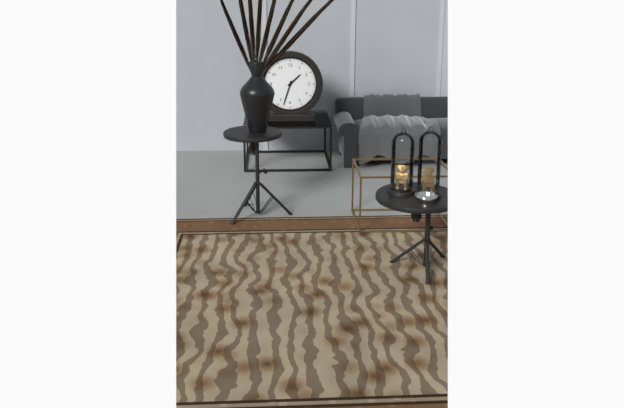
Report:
1:33
